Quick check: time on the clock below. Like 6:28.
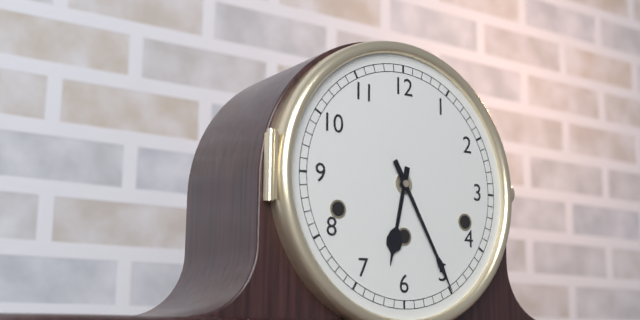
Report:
6:25
